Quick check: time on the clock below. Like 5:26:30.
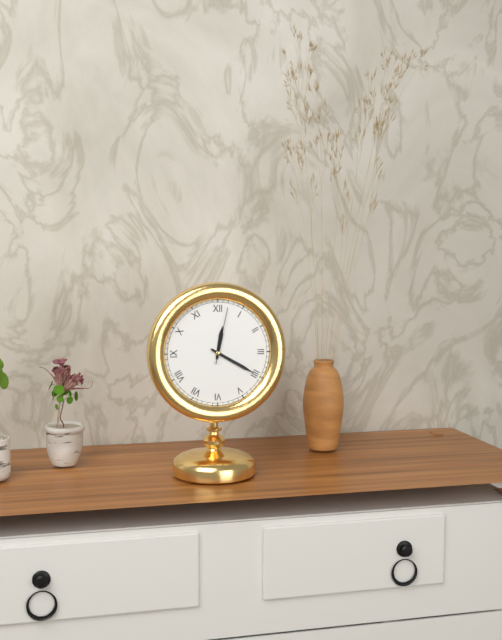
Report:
12:20:02
